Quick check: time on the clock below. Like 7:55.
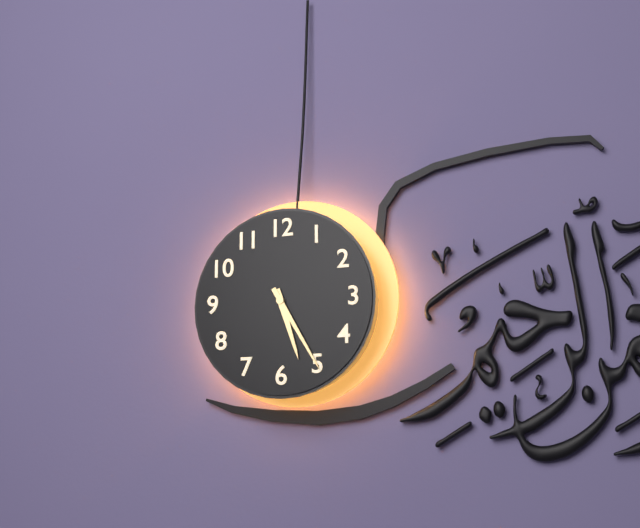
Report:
5:25
